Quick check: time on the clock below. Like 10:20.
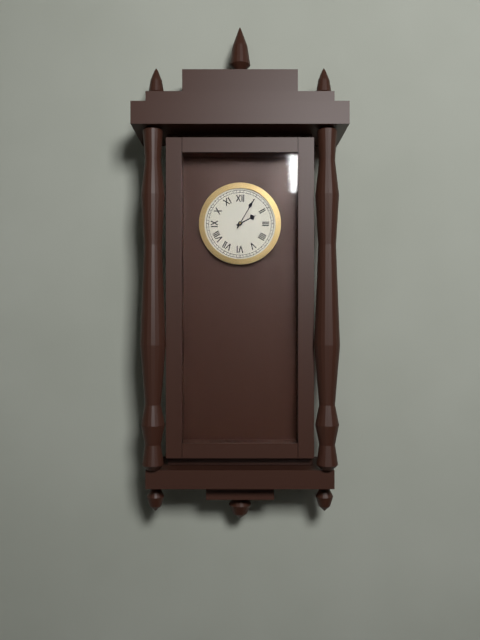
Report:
2:05
